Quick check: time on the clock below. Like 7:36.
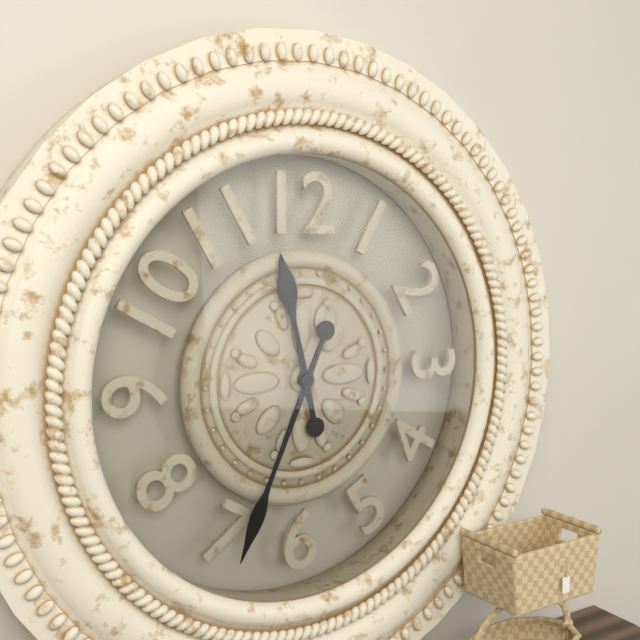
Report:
11:34
